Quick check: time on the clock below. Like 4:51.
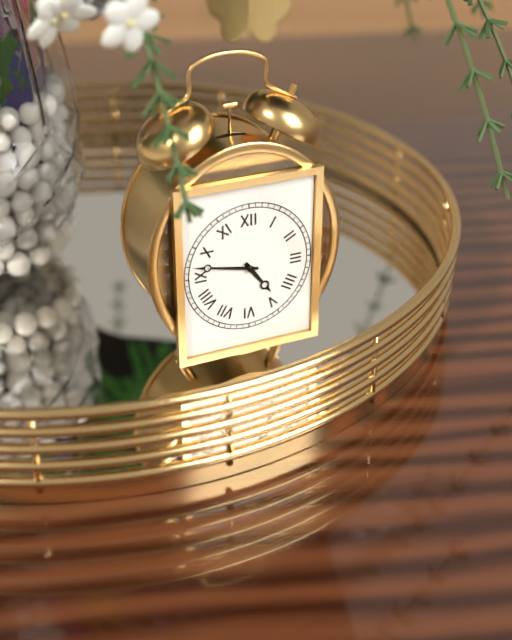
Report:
4:47
